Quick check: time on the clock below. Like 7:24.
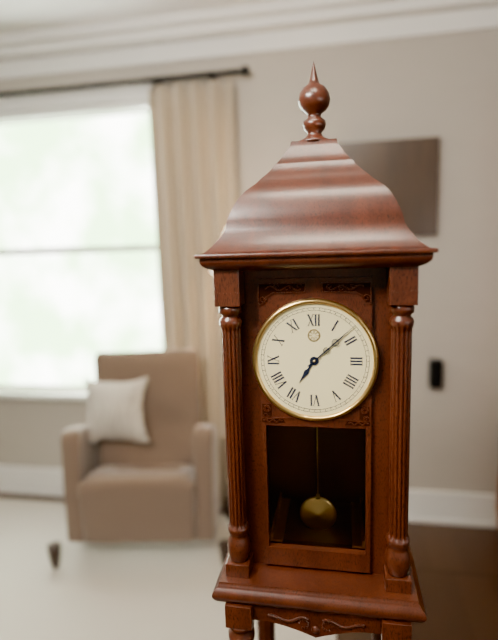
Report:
7:08
